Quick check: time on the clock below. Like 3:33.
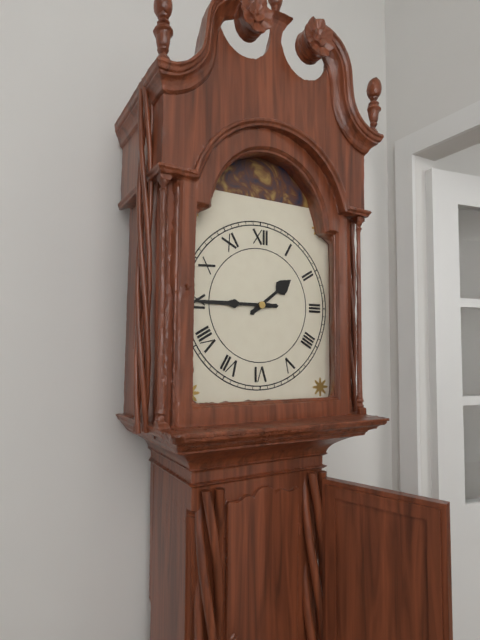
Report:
1:45
